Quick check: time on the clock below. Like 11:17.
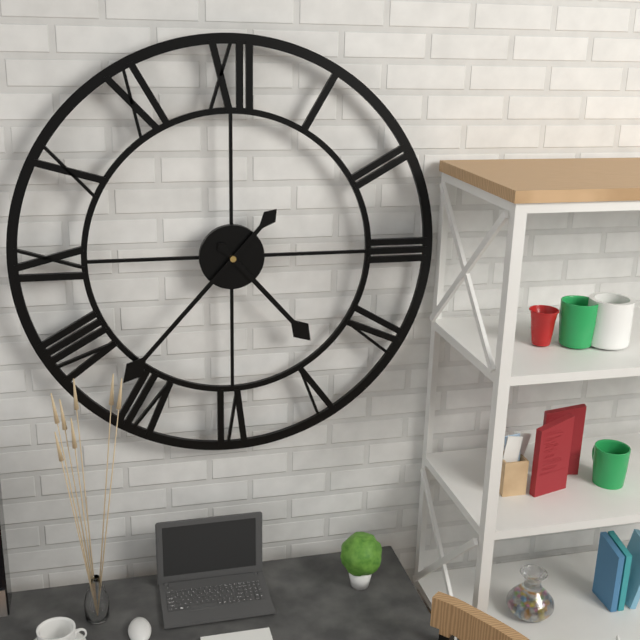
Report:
4:37
